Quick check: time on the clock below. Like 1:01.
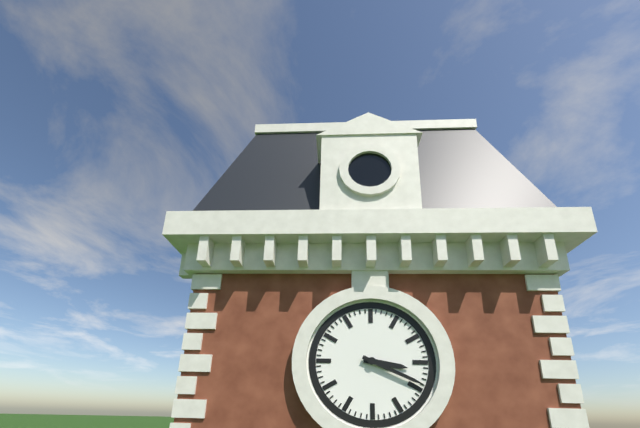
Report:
3:19
